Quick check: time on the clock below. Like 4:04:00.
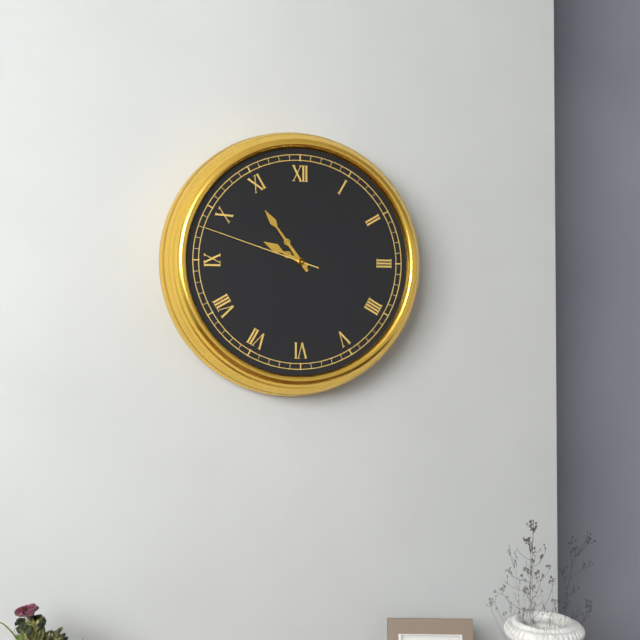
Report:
9:54:48
